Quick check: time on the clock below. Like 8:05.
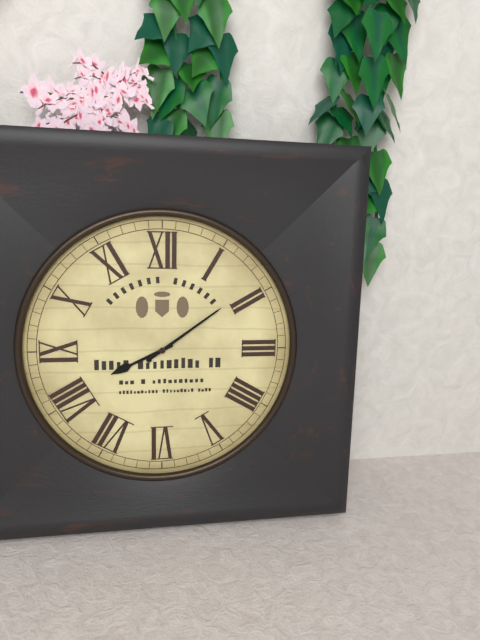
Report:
8:09
